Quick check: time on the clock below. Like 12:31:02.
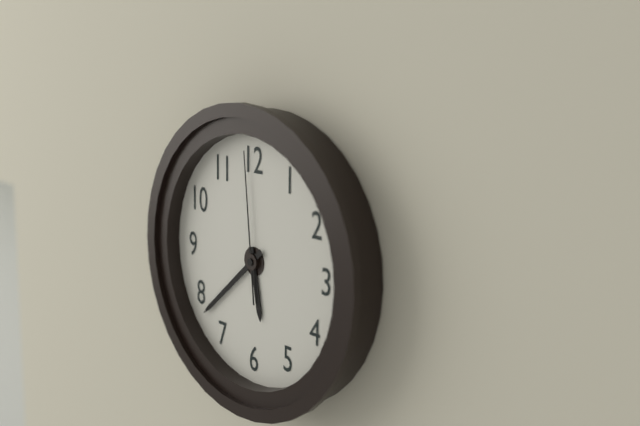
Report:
5:38:59
